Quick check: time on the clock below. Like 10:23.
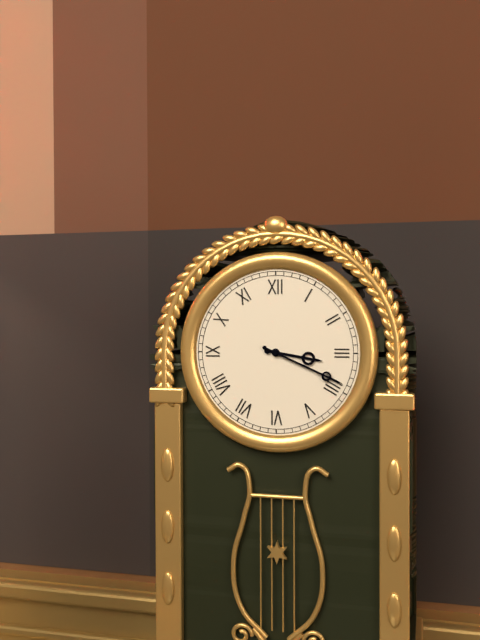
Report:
3:19
